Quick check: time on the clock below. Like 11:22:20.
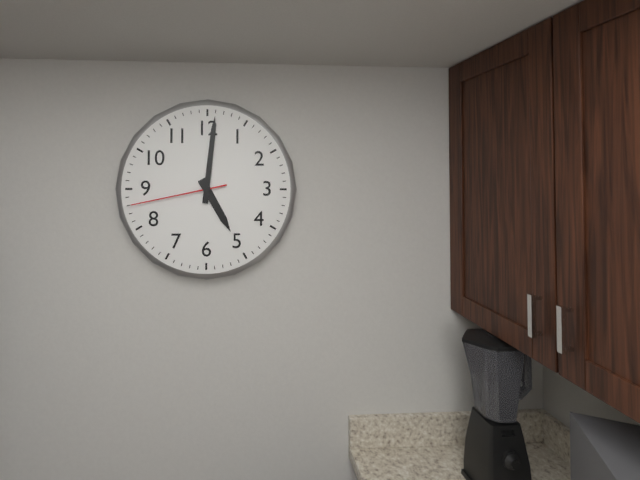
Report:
5:01:43
